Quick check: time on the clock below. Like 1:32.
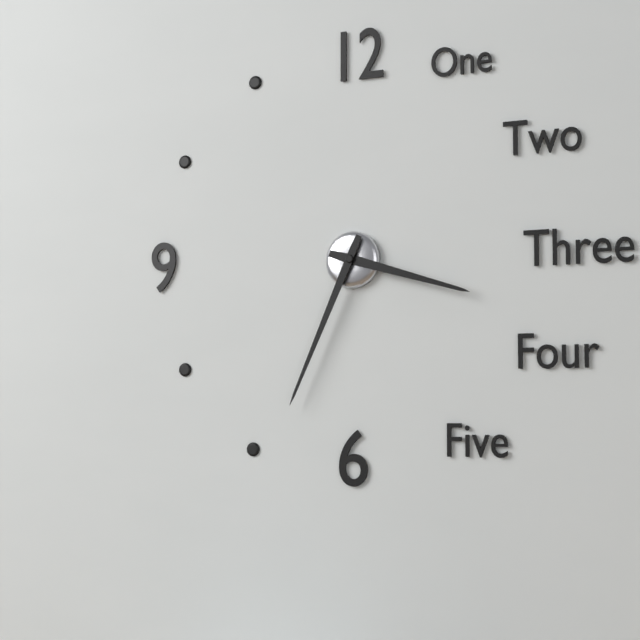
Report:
3:34
